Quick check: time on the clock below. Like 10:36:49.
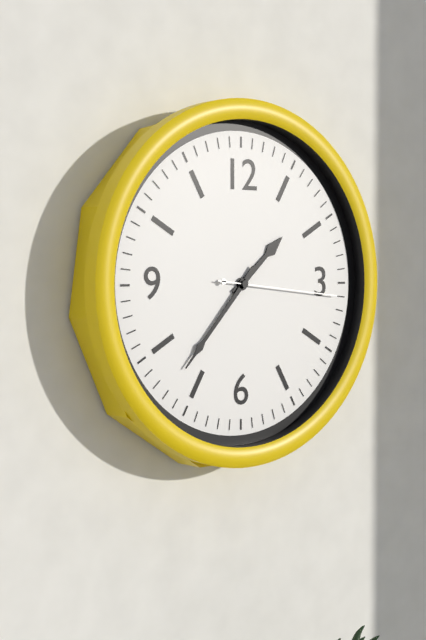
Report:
1:37:16
